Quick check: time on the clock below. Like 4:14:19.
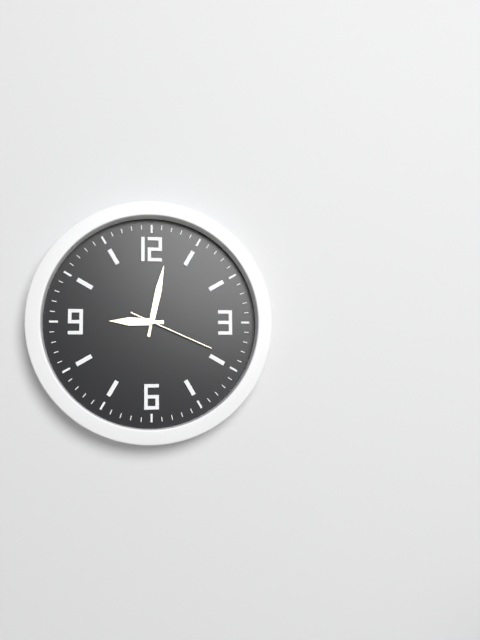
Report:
9:02:19
